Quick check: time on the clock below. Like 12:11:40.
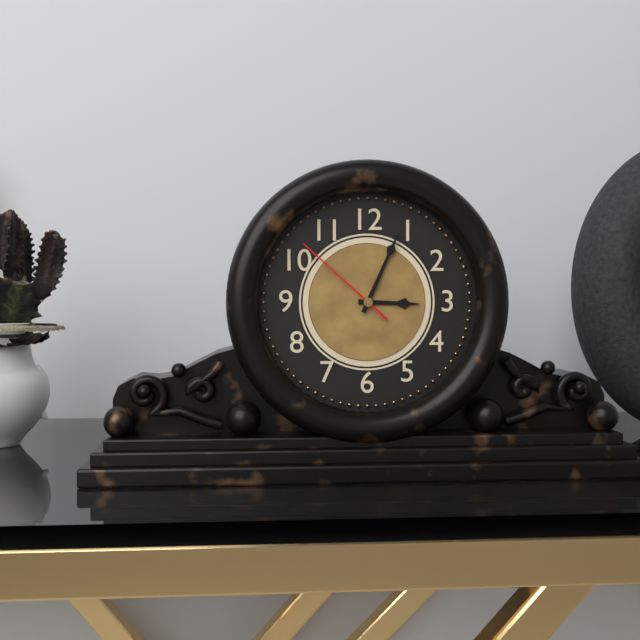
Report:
3:04:52
